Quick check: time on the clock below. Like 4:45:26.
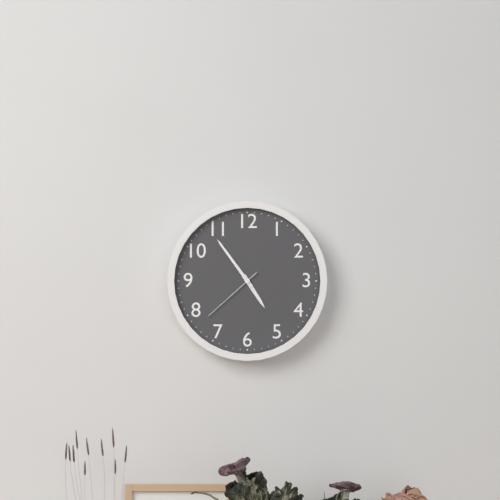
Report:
4:54:38
